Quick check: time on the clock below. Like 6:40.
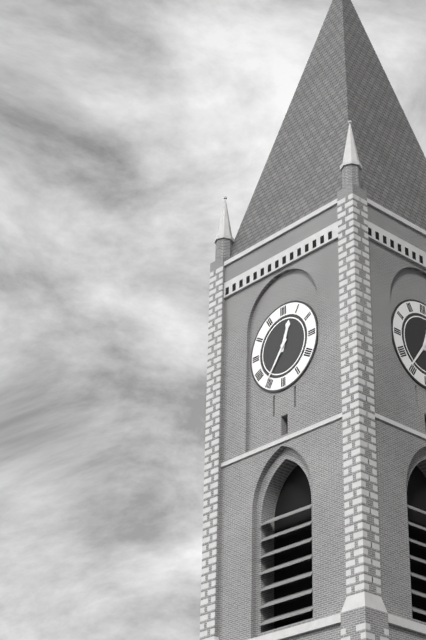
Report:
12:36
